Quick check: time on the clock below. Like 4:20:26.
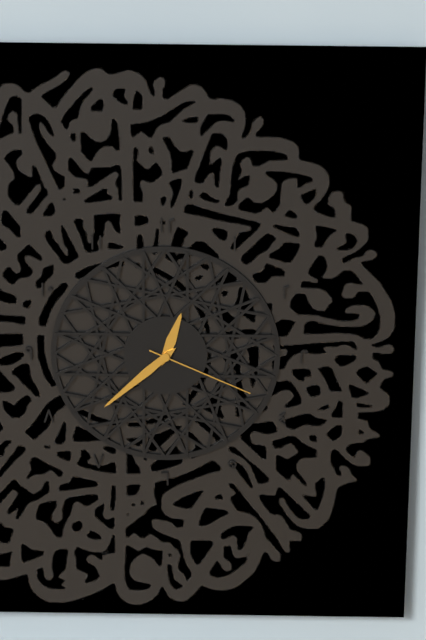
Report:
12:38:19
